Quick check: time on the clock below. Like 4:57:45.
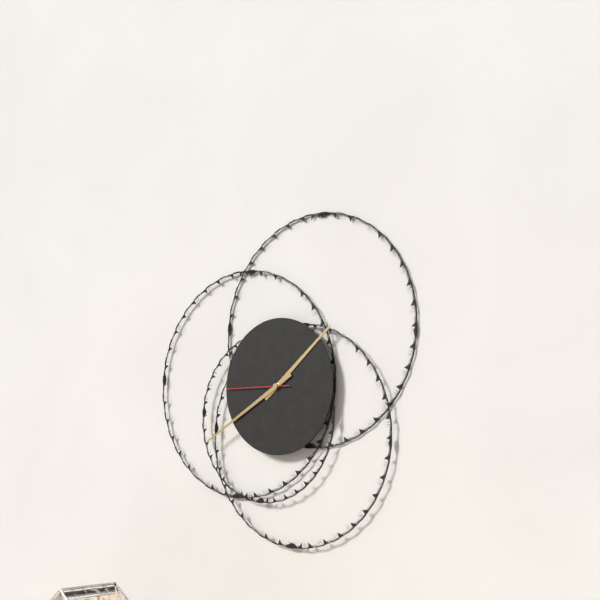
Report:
1:40:45
